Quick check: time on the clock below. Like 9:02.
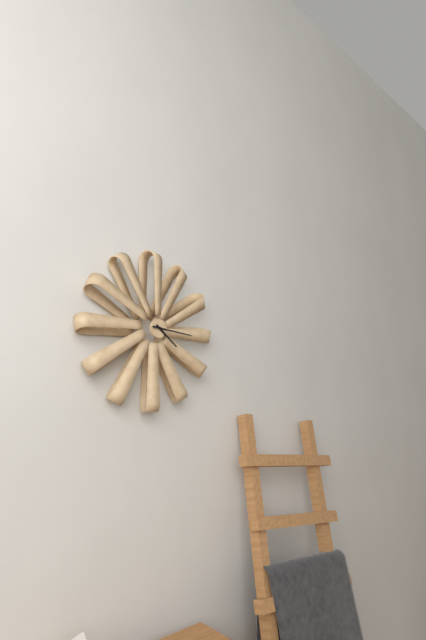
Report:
4:16
